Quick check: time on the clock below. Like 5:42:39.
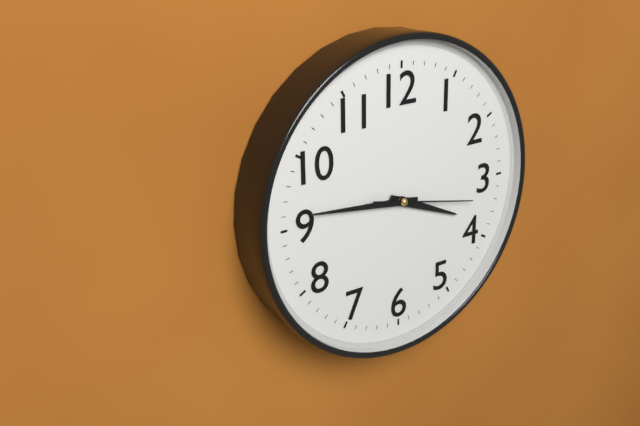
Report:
3:46:17
